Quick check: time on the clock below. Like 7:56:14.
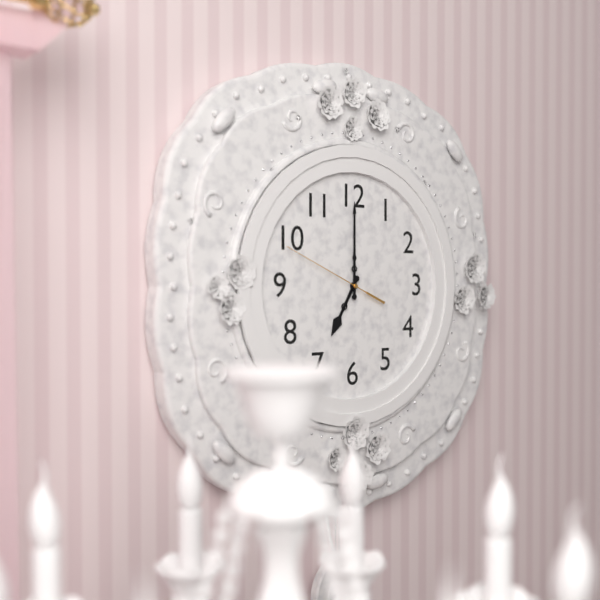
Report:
7:00:49
